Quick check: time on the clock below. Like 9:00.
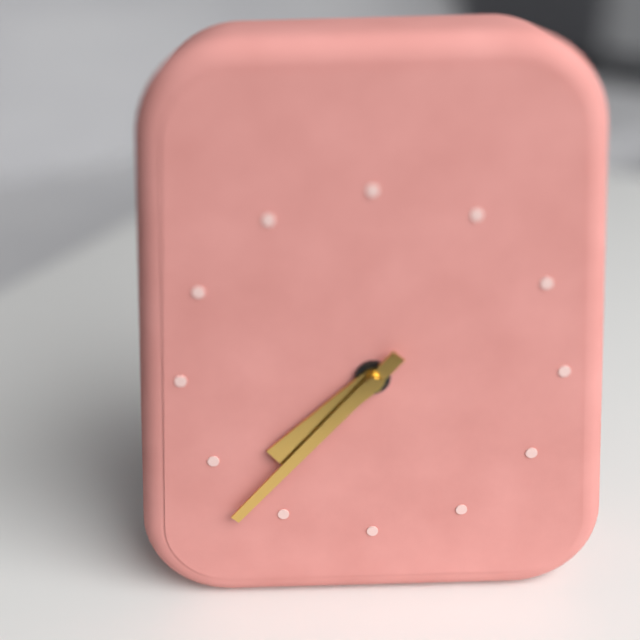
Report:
7:37
